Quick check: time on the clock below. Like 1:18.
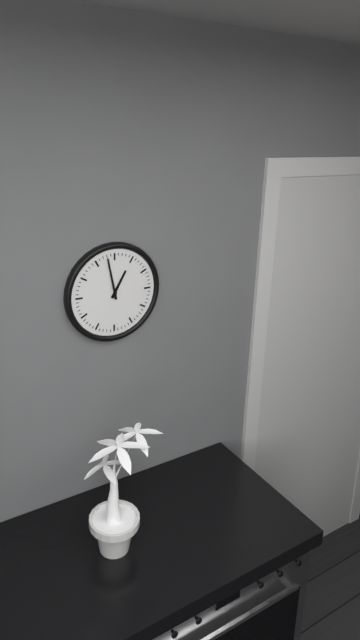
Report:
12:58
